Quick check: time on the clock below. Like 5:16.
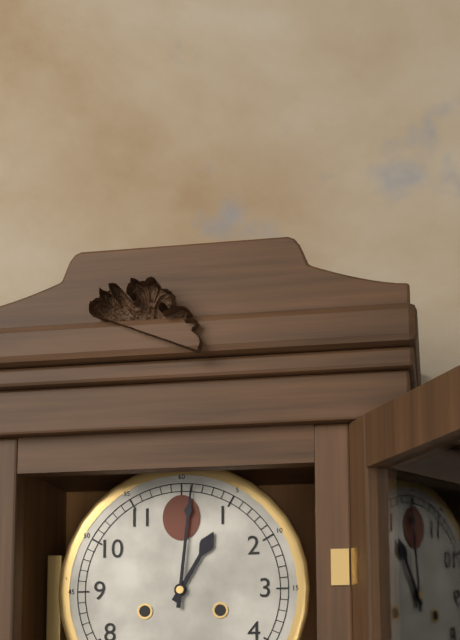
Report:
1:01
